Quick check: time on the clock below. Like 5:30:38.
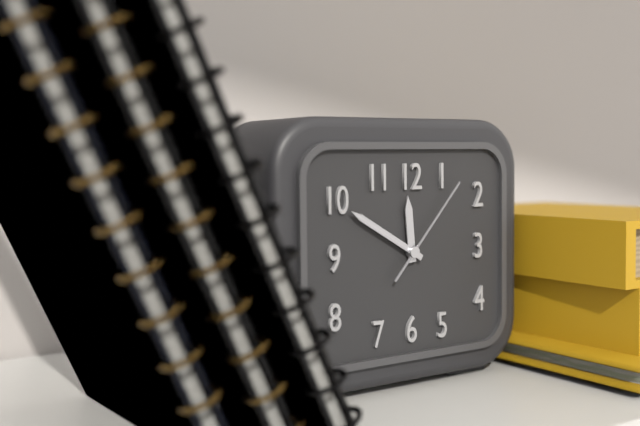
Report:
11:50:07
